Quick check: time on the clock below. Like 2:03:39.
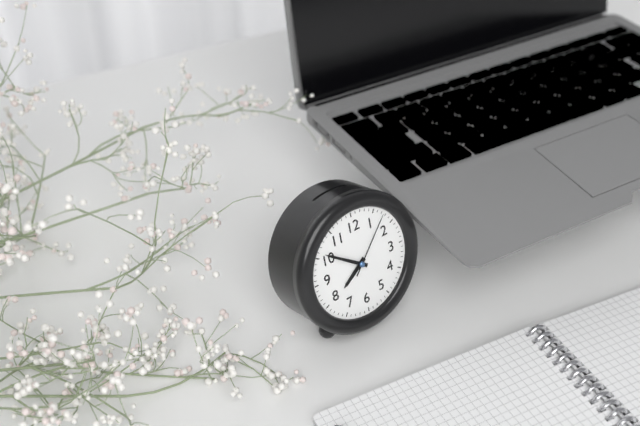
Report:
7:51:07
